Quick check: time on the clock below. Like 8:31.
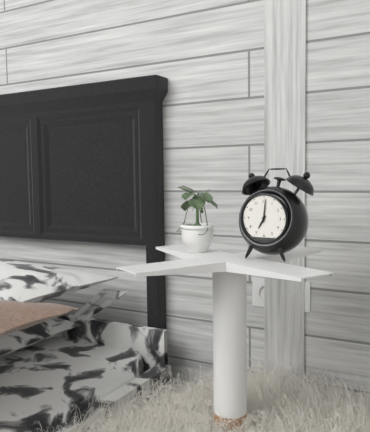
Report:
7:01
